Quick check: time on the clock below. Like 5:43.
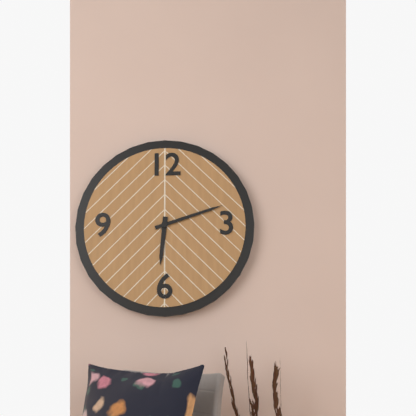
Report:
6:12
